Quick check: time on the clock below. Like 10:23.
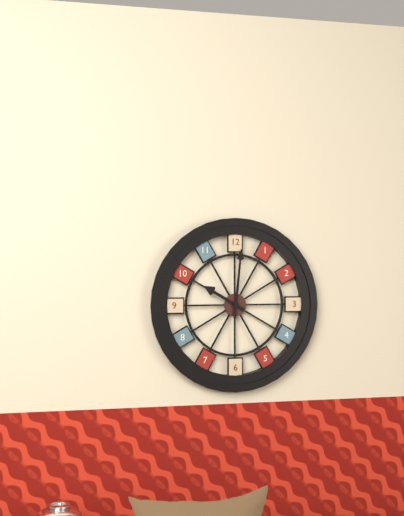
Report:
10:01
